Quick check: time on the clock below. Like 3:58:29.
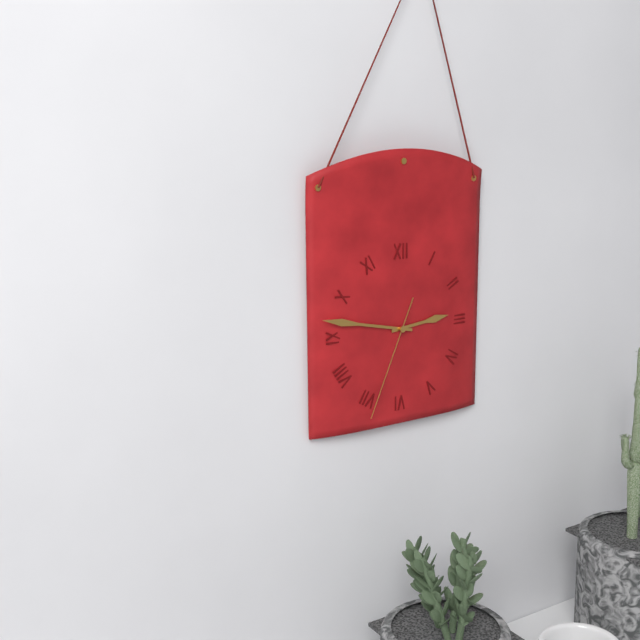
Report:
2:47:34
